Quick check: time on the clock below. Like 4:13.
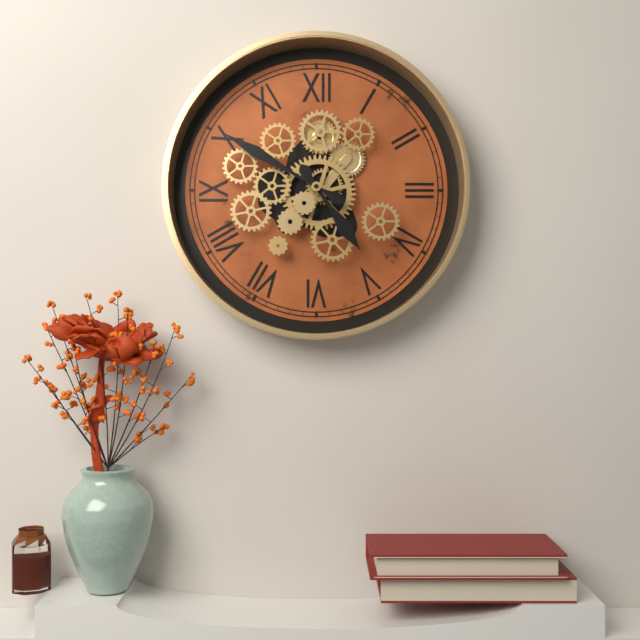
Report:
4:50
